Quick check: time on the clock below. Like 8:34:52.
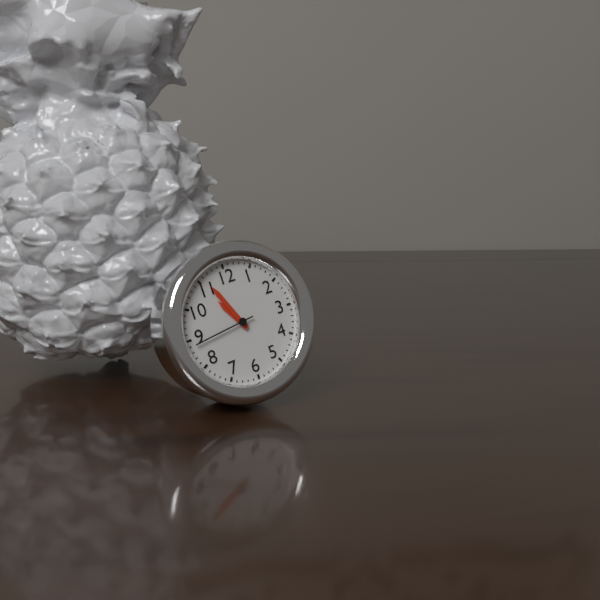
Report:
10:56:44
